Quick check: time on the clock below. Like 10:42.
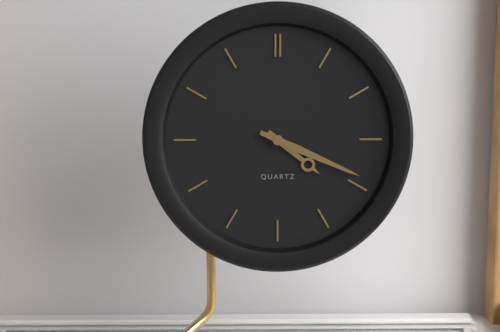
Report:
4:19
